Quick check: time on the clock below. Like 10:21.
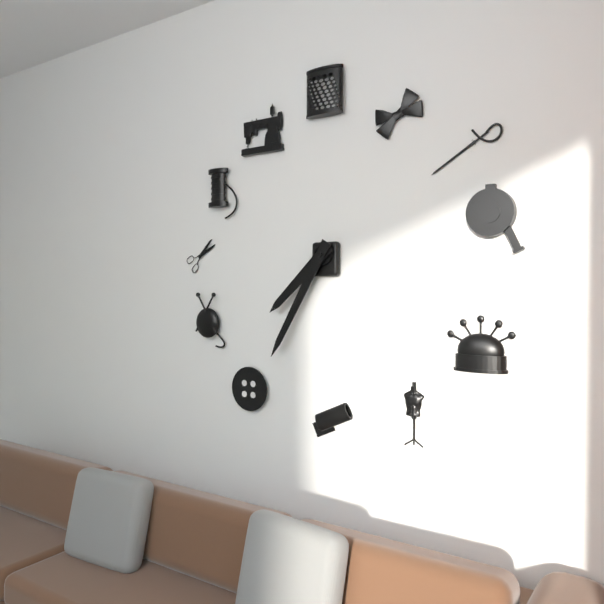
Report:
7:35
